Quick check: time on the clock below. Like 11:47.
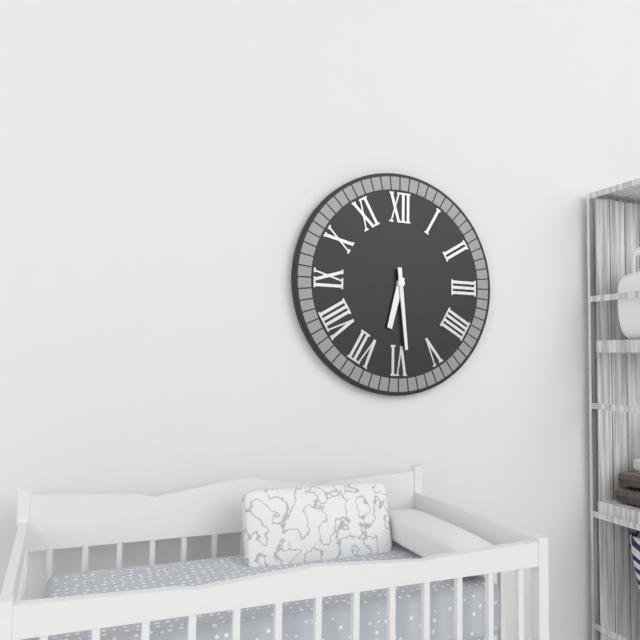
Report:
6:29
